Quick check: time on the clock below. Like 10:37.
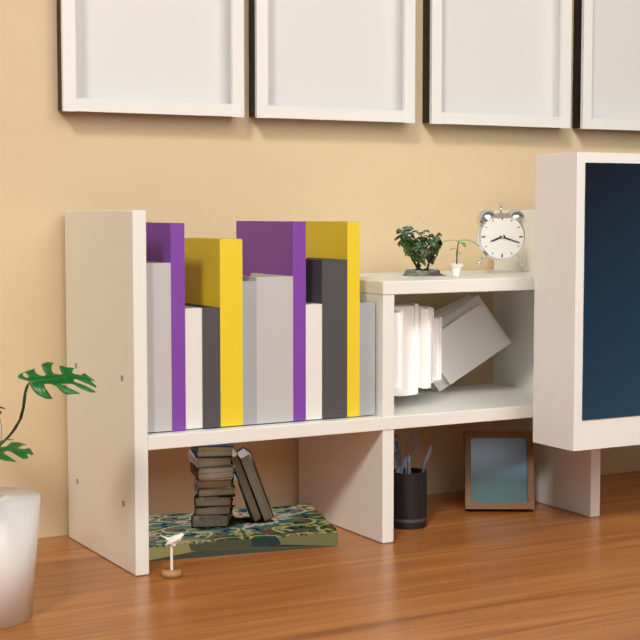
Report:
8:18
